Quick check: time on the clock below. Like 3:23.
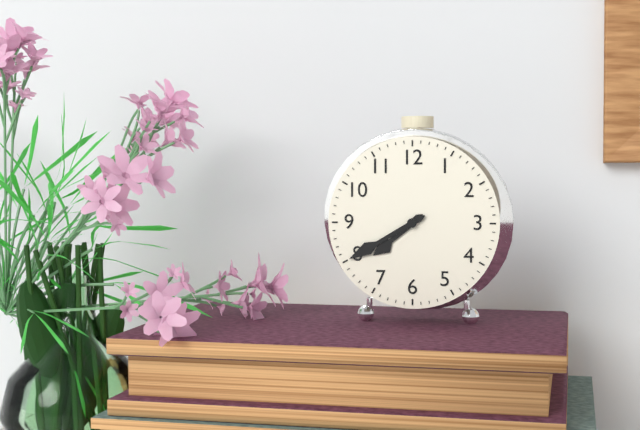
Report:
7:40
